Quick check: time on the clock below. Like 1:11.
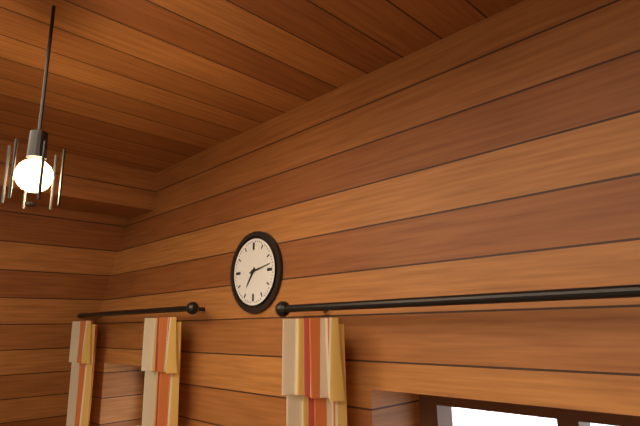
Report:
7:13
